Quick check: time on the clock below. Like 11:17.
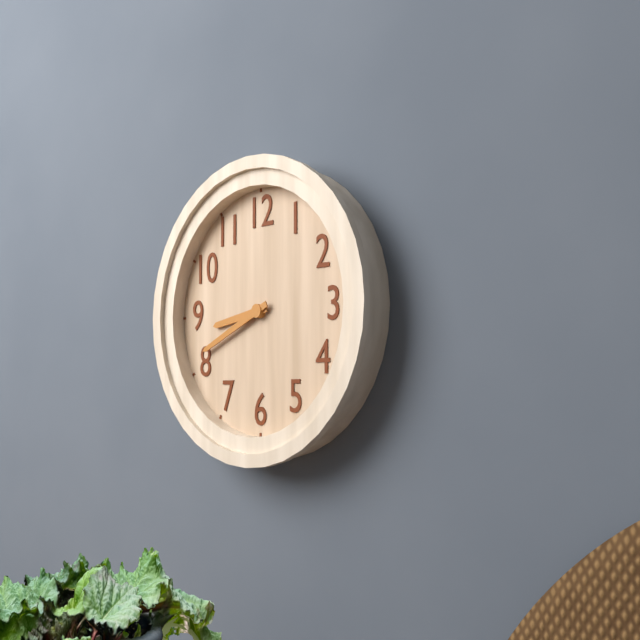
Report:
8:41
